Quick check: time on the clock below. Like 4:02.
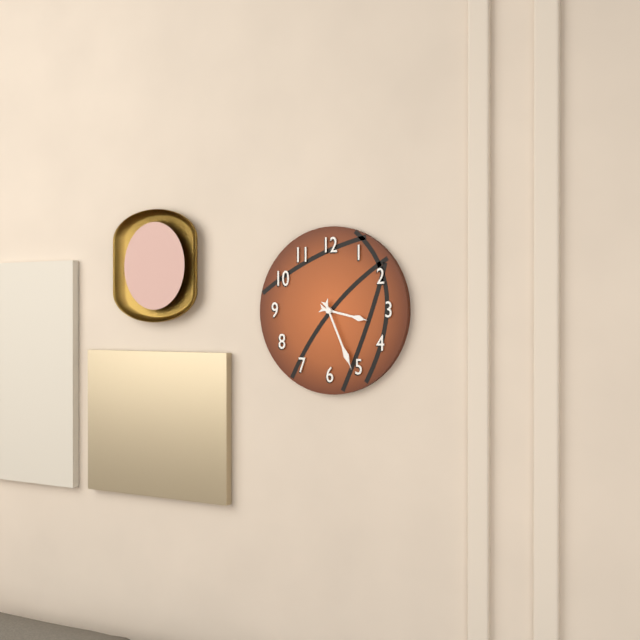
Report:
3:26
